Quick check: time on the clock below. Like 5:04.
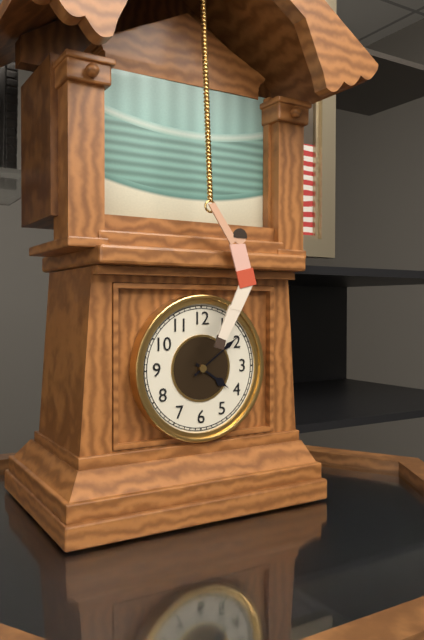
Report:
4:09
